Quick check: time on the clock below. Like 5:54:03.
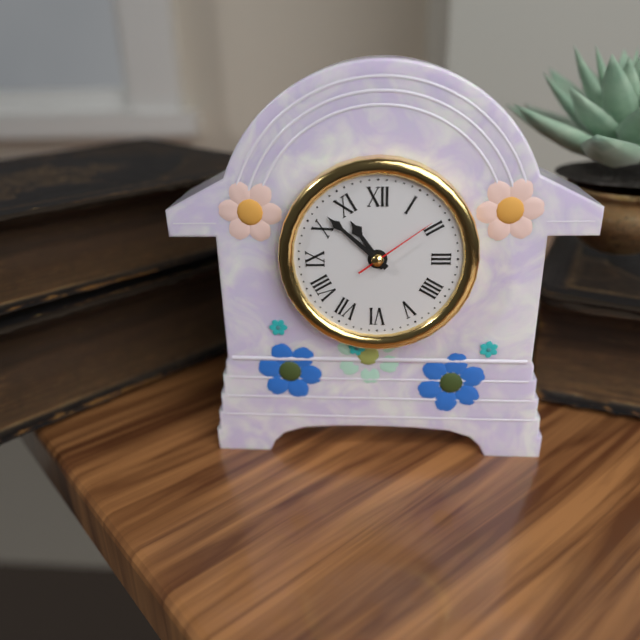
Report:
10:52:09
